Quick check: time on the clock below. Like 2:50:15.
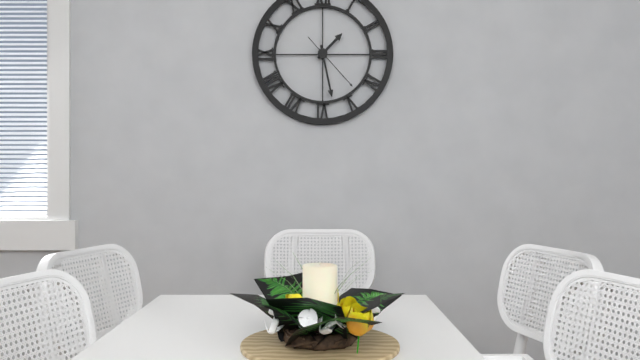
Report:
1:28:23
